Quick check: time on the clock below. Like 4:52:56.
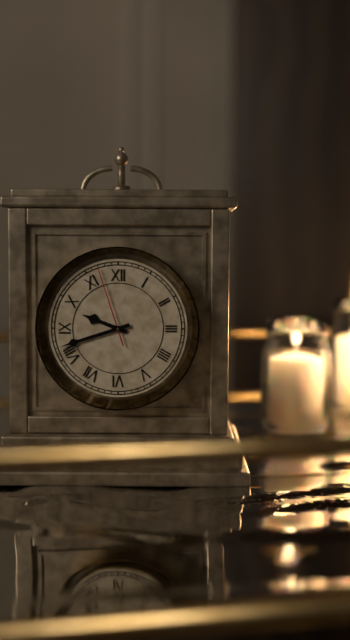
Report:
9:42:57
